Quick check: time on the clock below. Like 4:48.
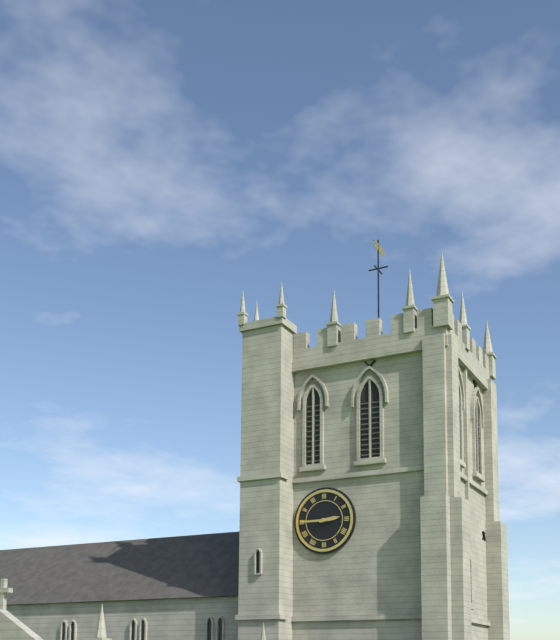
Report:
2:45
